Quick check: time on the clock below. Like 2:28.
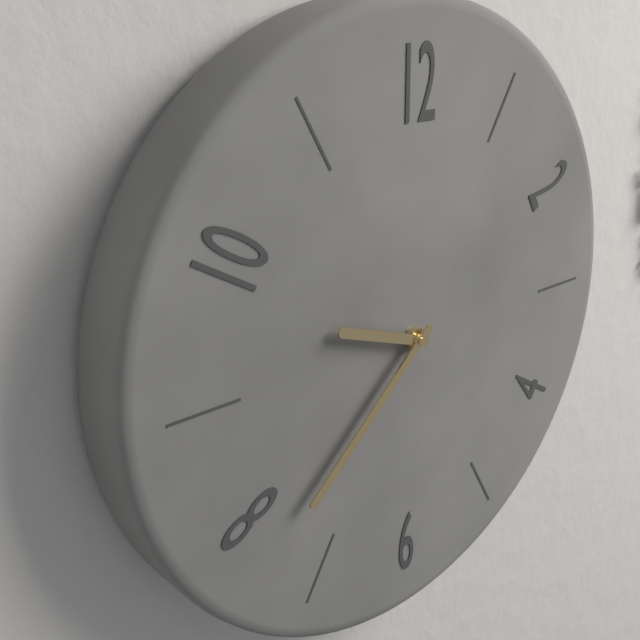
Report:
9:38
